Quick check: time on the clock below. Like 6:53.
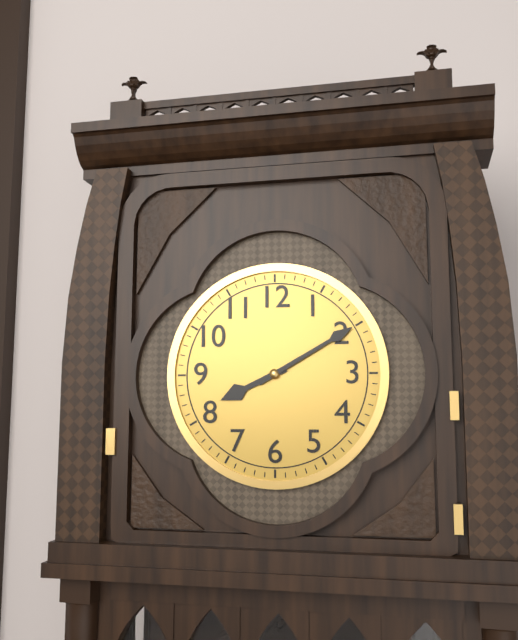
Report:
8:10
